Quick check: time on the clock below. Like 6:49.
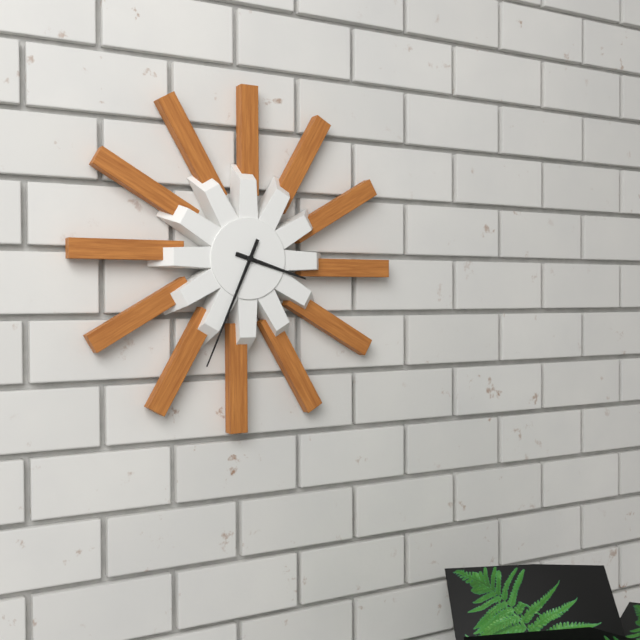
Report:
3:34
